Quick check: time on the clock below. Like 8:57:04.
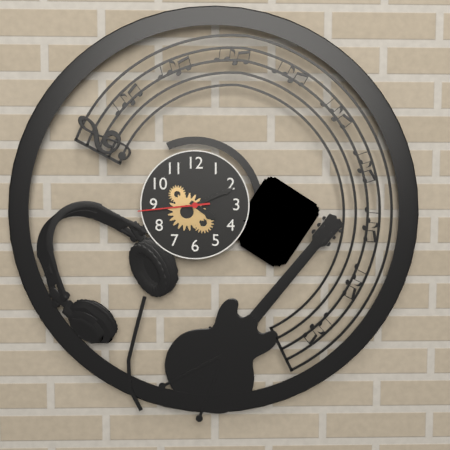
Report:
4:11:44
